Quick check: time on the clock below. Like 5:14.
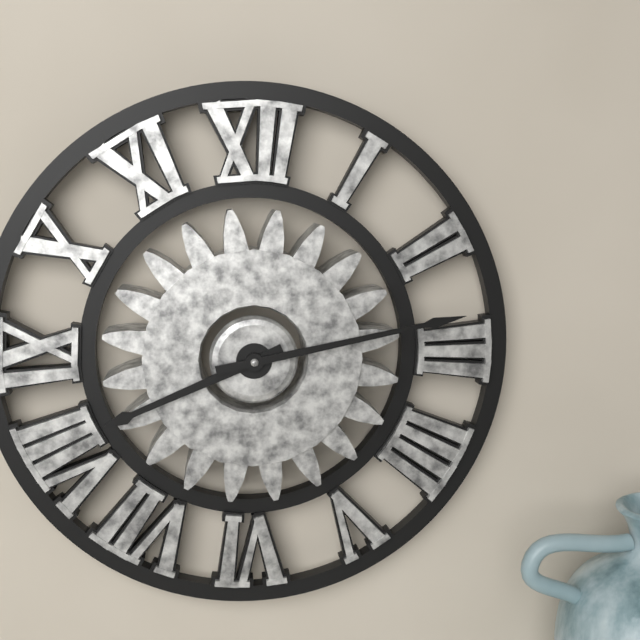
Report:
8:13
